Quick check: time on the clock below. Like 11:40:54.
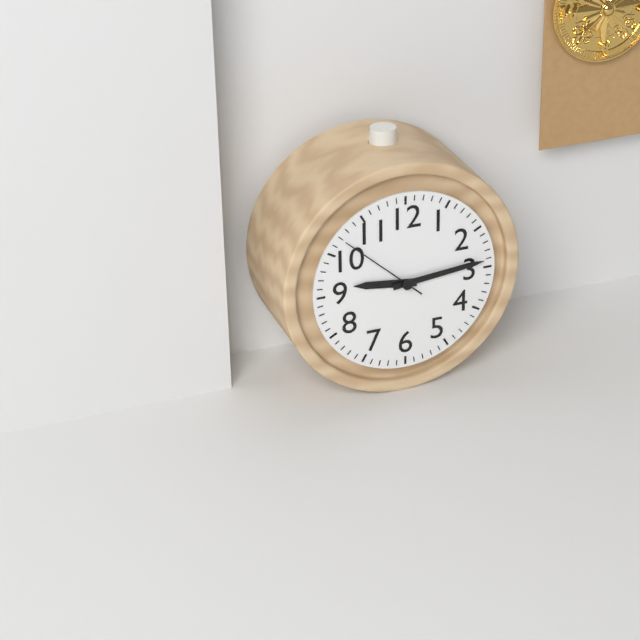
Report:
9:14:52
